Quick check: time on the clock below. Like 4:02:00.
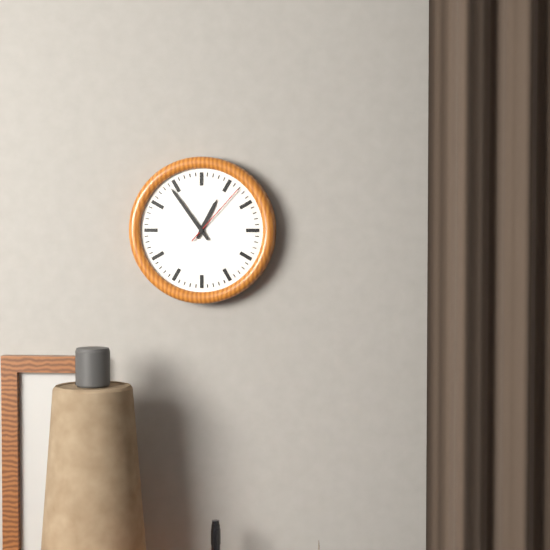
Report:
12:54:07
